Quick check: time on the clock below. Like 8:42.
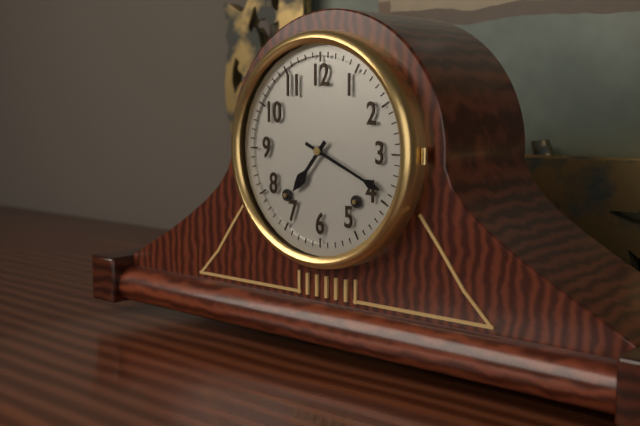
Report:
7:19
